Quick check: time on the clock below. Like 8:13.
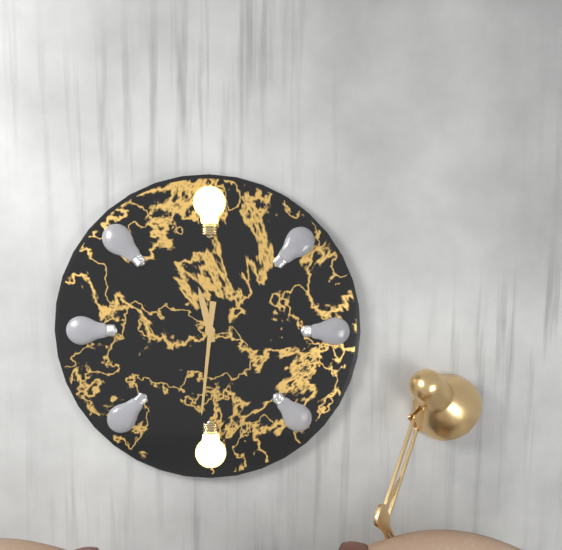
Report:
11:31
